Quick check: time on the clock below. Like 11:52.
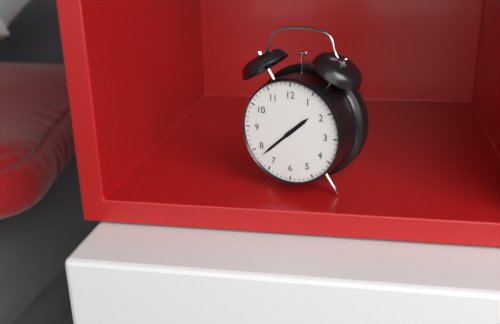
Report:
1:38
